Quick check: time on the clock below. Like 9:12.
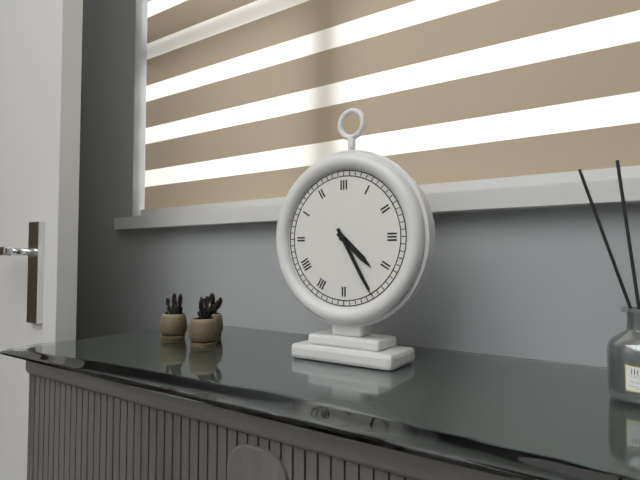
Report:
4:25
